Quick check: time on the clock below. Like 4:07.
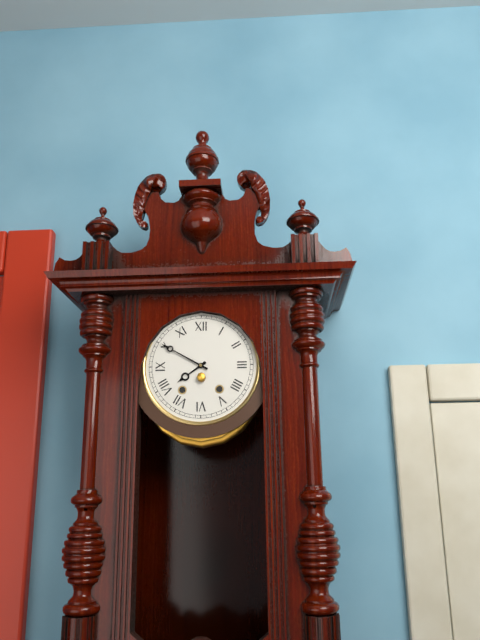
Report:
7:50
